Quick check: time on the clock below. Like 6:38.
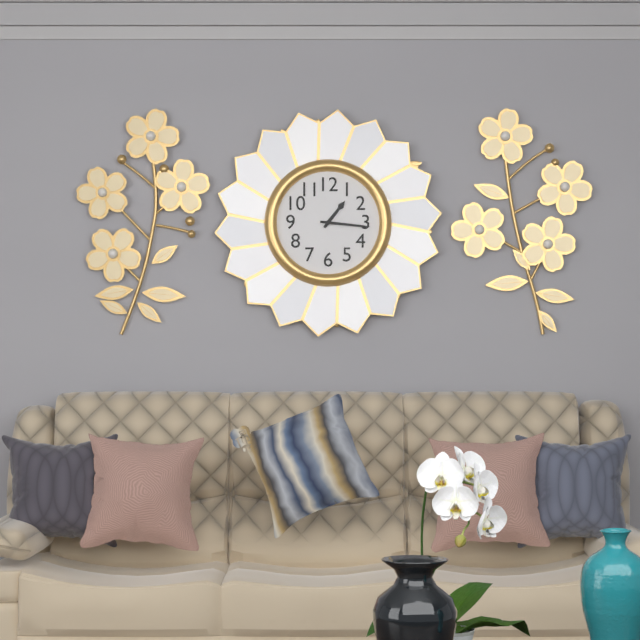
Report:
1:16
